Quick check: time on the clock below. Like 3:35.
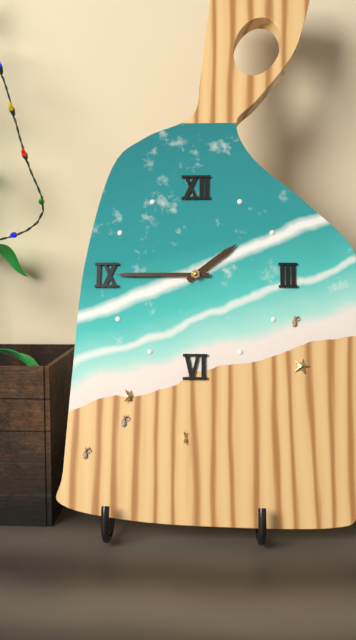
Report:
1:45
